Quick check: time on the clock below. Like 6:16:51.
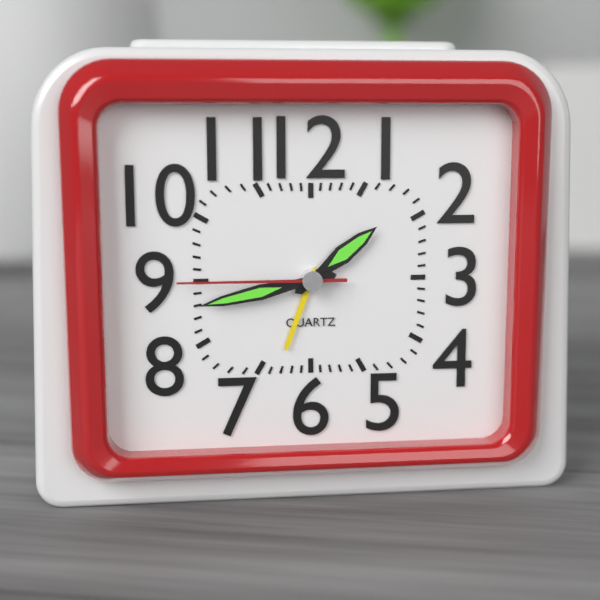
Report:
1:43:45
